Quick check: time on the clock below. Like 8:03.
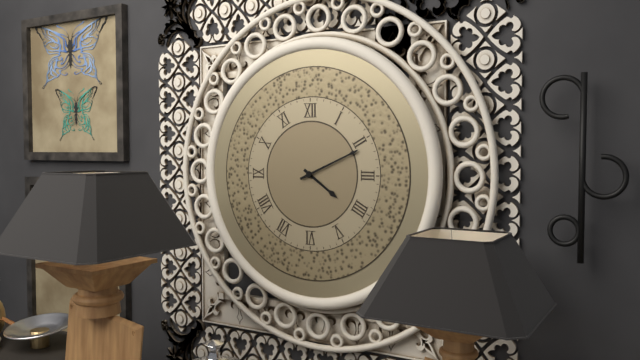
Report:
4:11
